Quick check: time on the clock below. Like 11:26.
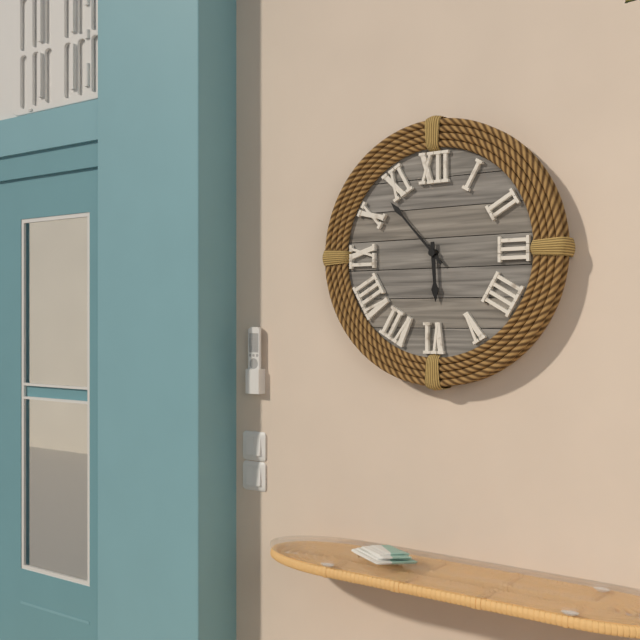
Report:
5:53
